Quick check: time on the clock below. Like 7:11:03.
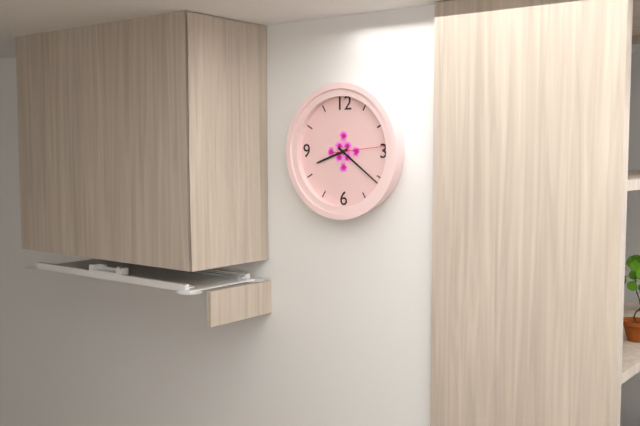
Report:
8:21:14
